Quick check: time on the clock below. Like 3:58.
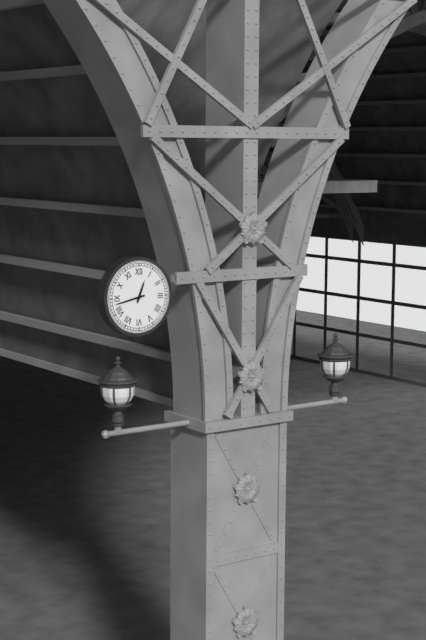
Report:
12:43
